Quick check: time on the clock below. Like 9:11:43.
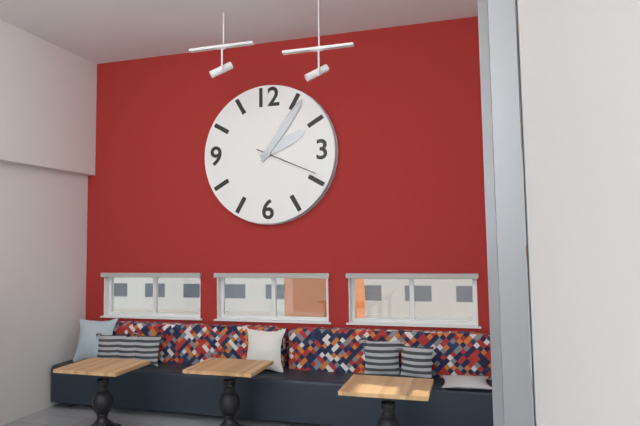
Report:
2:06:19
